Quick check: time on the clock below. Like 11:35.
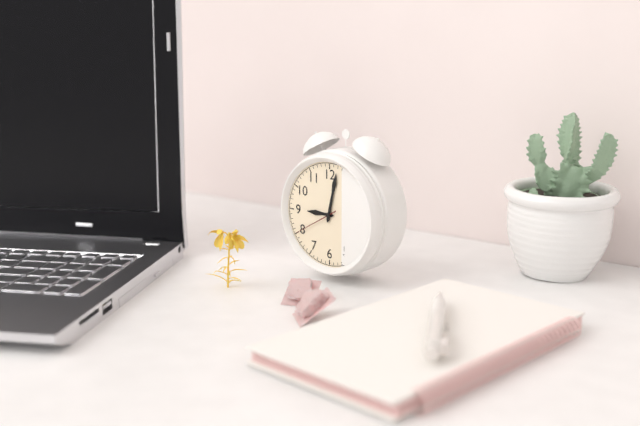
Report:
9:02
